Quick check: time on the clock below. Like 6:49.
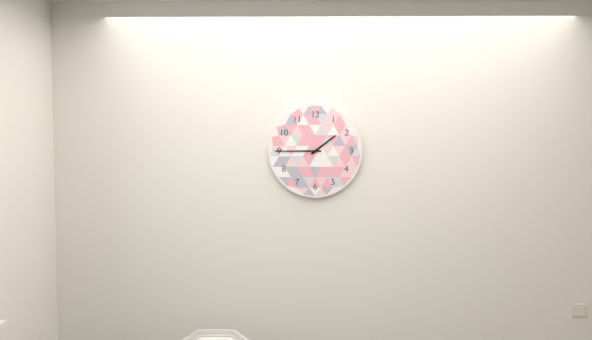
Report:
1:45
